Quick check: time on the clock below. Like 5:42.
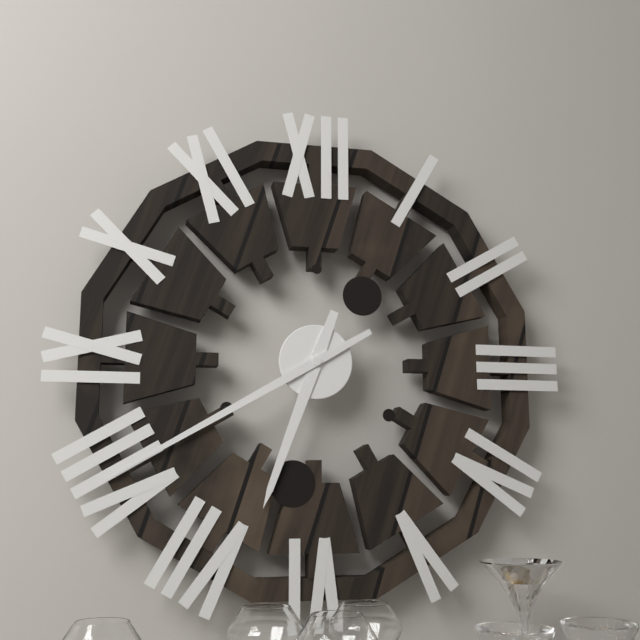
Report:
6:40
